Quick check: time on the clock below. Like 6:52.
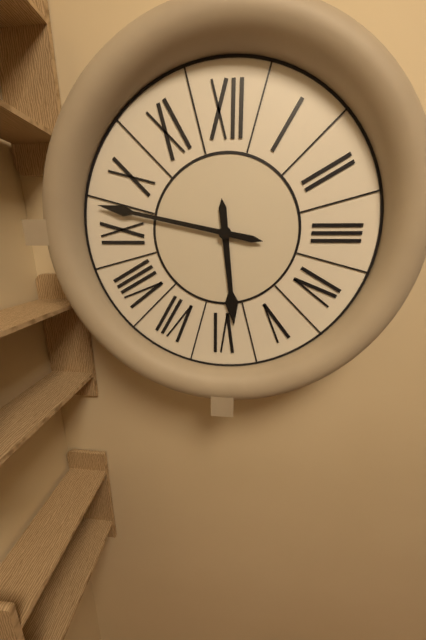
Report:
5:47
